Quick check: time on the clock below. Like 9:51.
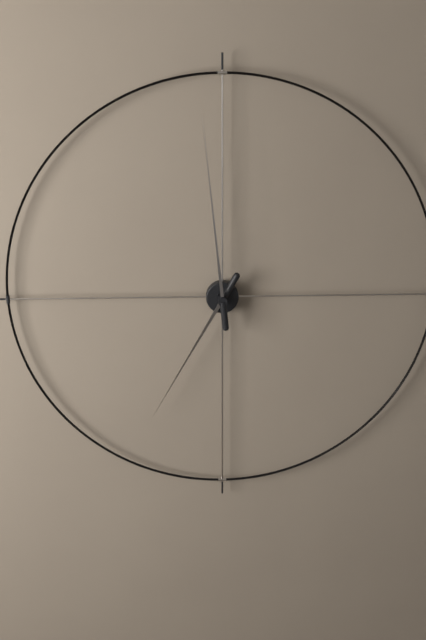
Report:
6:59
